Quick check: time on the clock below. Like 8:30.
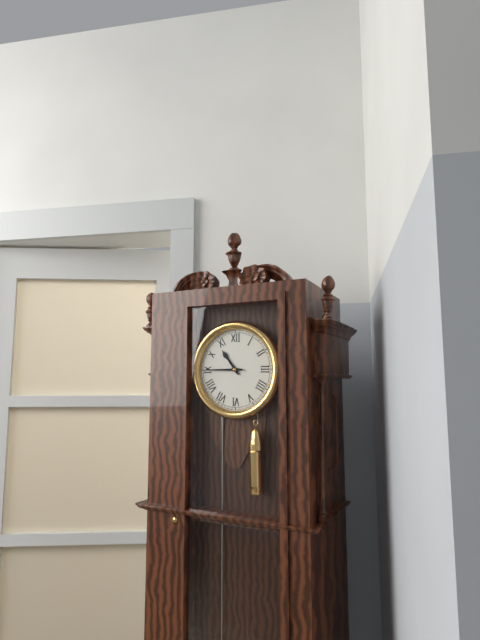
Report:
10:45
